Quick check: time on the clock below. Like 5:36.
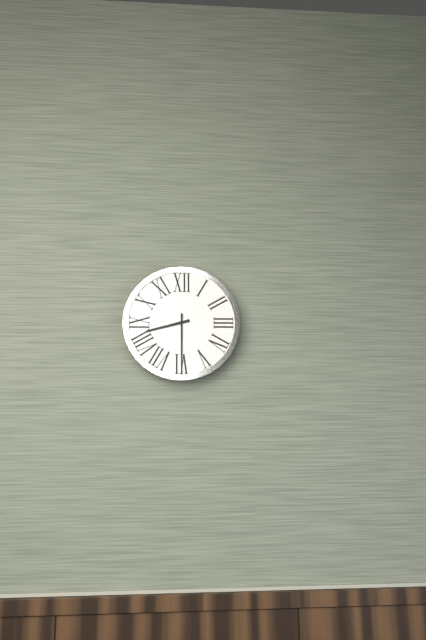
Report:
8:30
